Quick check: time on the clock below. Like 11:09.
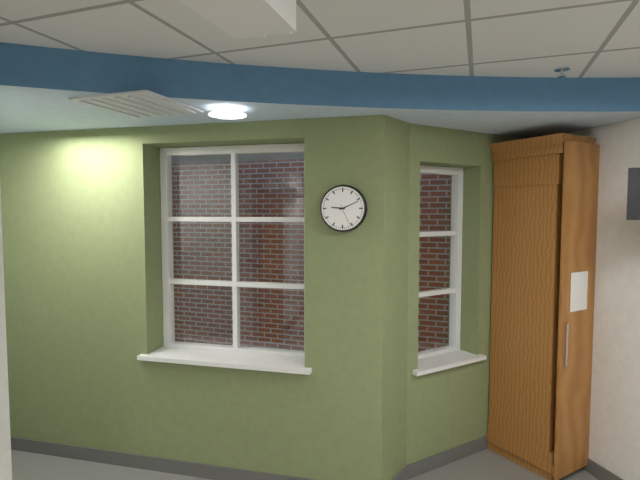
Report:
9:11
